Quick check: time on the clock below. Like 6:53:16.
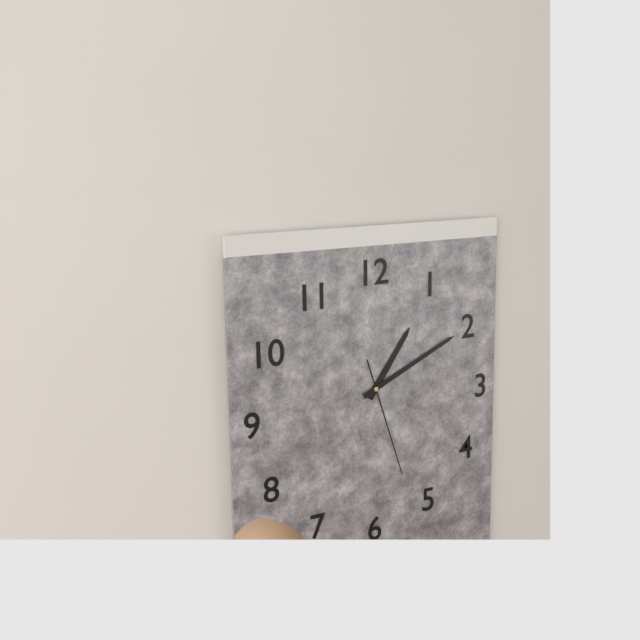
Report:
1:11:27
